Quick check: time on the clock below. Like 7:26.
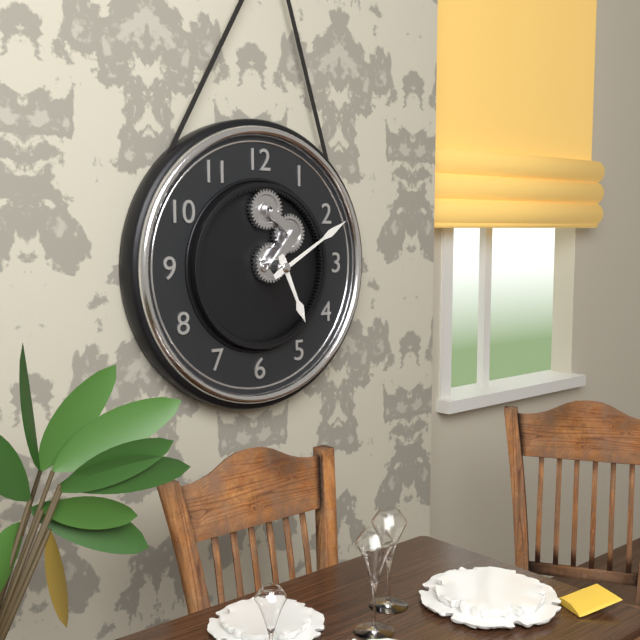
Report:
5:10
